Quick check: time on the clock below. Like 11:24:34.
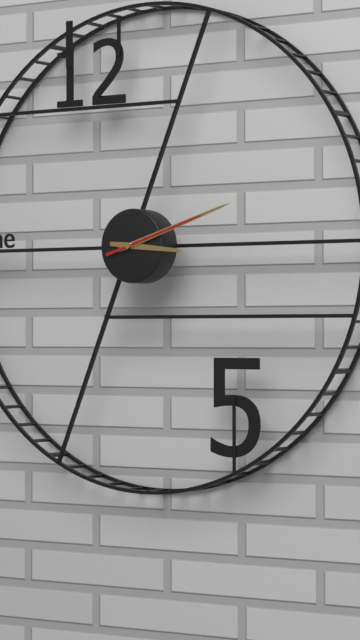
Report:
3:12:12
